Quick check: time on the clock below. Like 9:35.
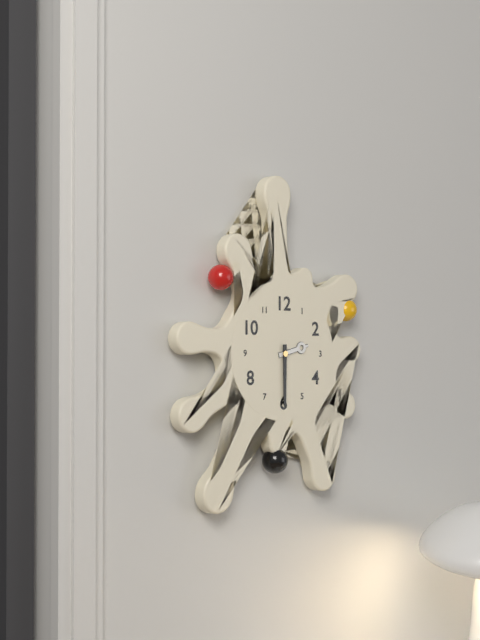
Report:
2:30
